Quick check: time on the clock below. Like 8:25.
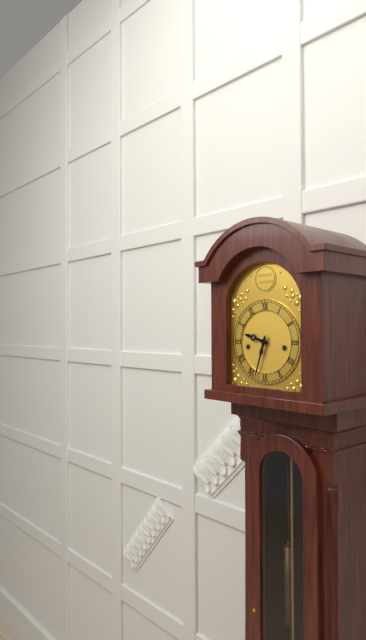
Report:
9:33
